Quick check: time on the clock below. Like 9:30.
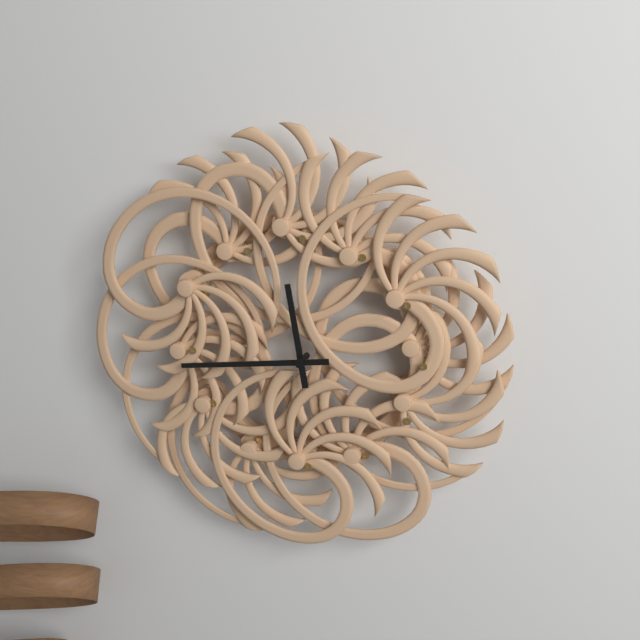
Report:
11:44
